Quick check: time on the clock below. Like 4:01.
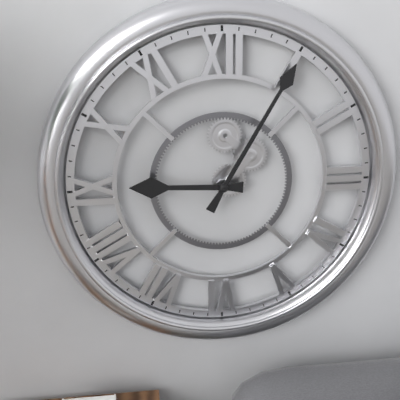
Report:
9:05
